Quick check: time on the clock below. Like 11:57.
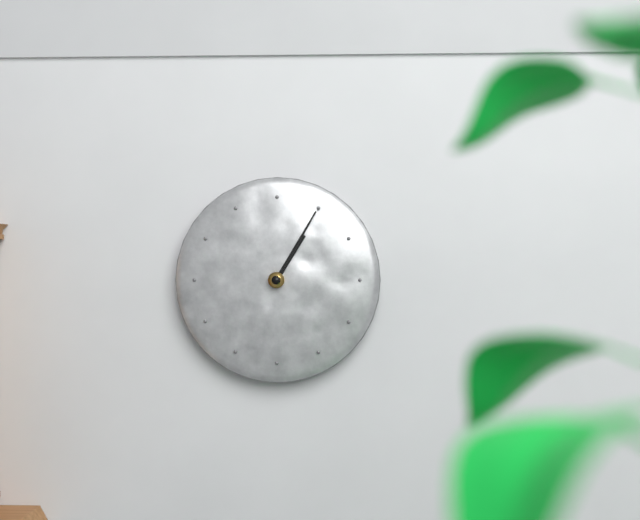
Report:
1:05
